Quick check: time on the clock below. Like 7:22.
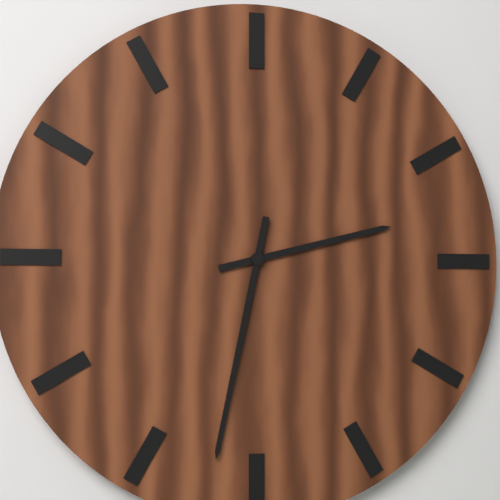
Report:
2:32
